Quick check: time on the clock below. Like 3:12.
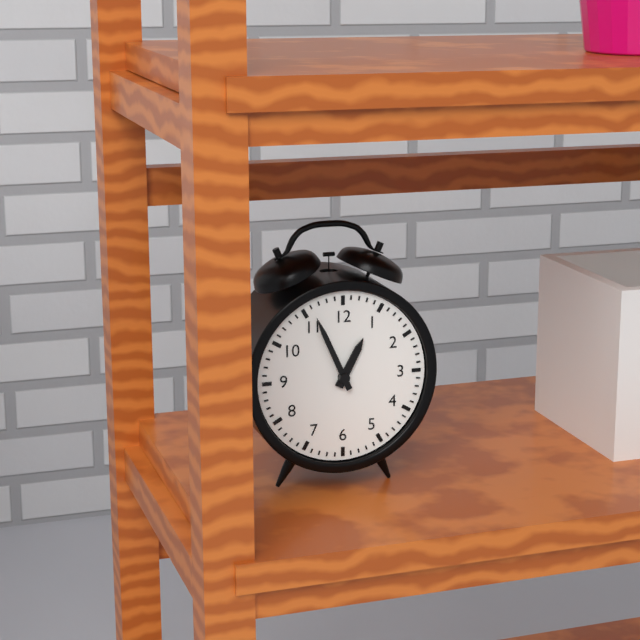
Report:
12:56
